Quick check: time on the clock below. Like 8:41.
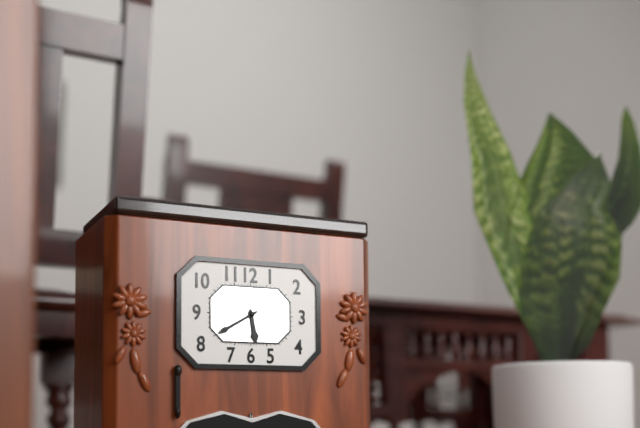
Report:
5:40
